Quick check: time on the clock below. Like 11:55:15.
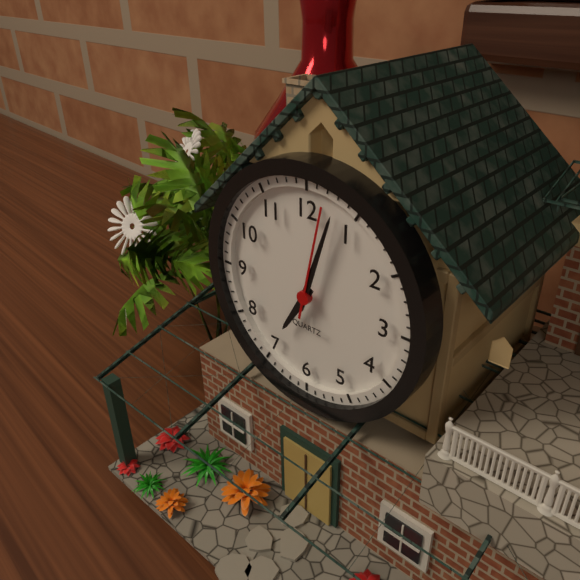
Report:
7:03:02
